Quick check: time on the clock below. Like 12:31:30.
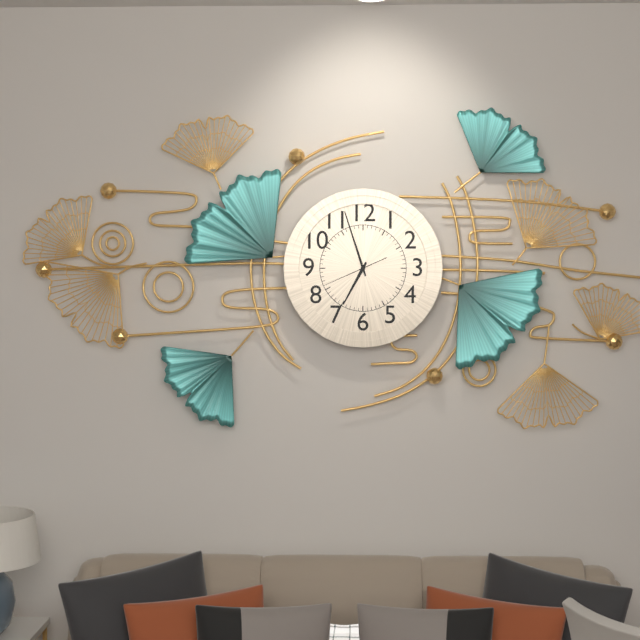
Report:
6:57:41
